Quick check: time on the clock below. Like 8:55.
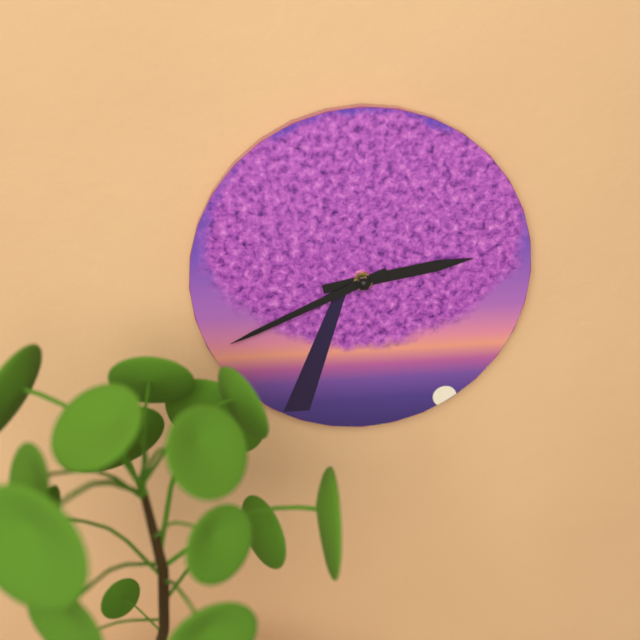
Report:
2:41
